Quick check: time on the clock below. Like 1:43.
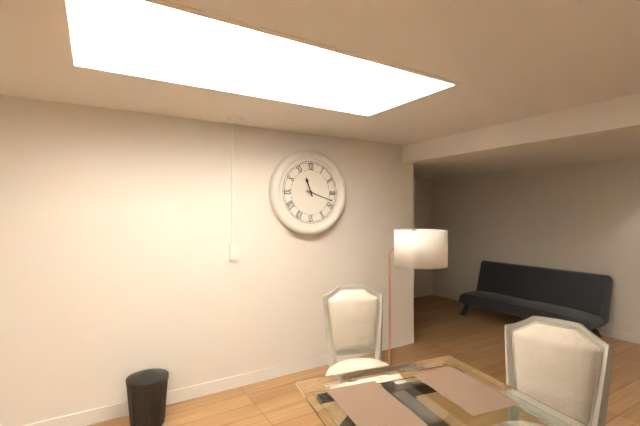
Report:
11:18
